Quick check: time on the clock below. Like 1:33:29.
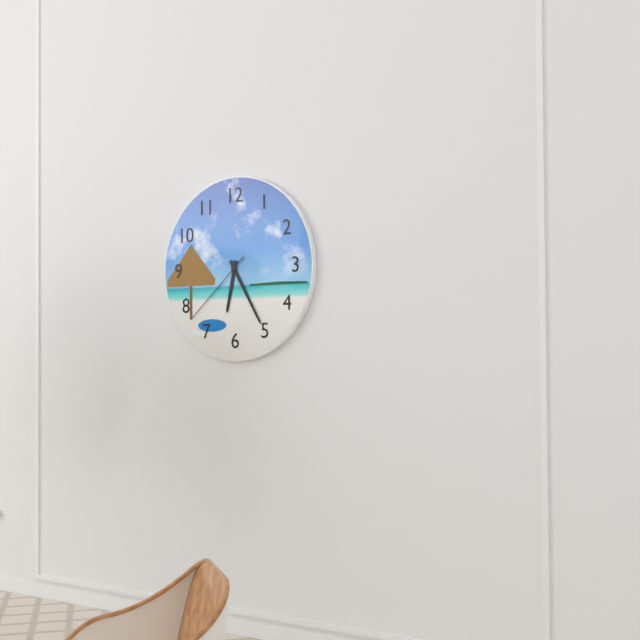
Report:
6:25:38
